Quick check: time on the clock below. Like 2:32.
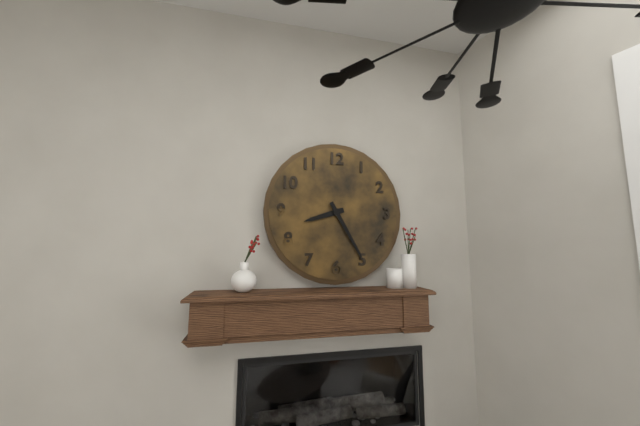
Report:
8:25
